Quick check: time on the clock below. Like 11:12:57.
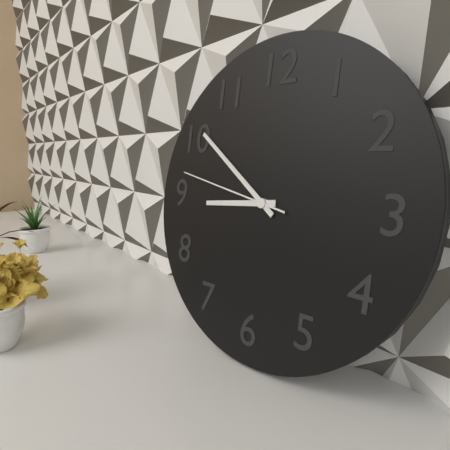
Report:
8:51:47
